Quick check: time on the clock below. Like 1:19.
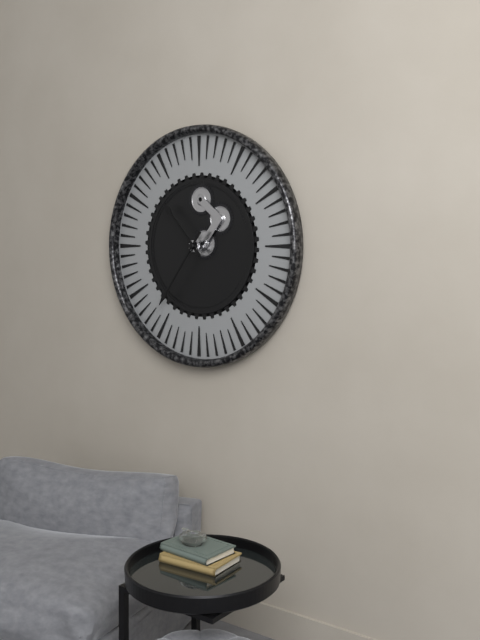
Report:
10:36
